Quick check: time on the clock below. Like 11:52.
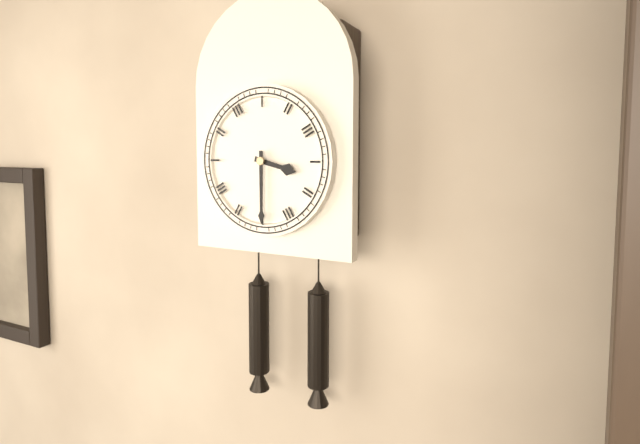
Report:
3:30
